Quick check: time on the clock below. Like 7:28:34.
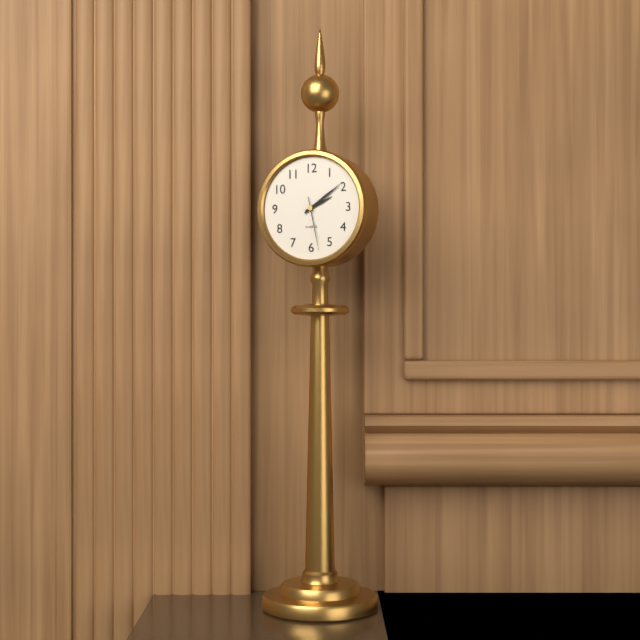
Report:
2:09:28
